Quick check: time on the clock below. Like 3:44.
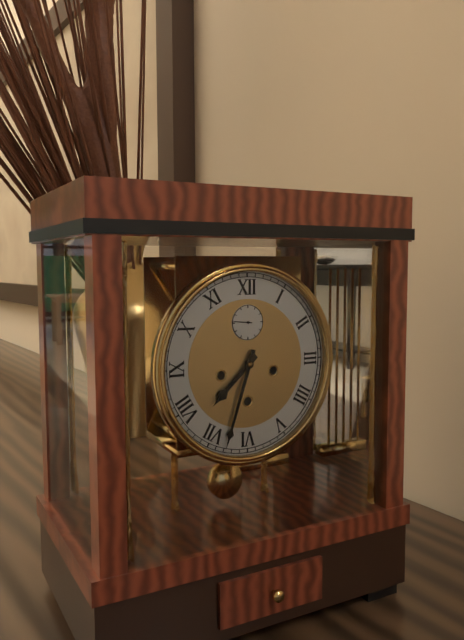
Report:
7:33
